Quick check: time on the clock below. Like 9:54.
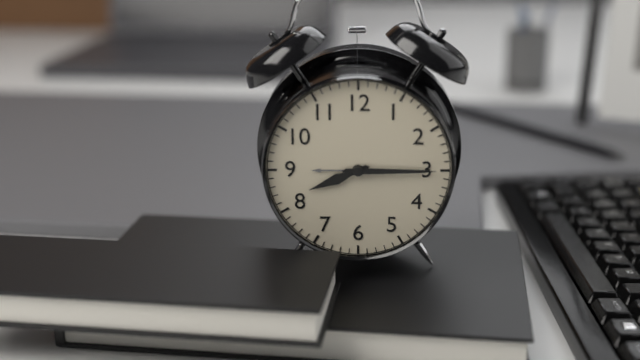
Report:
8:15
